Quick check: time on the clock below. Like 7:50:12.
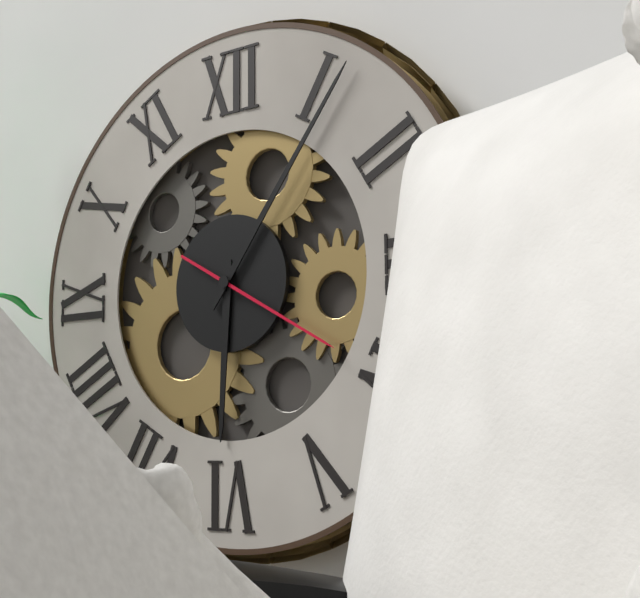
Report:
6:06:20
